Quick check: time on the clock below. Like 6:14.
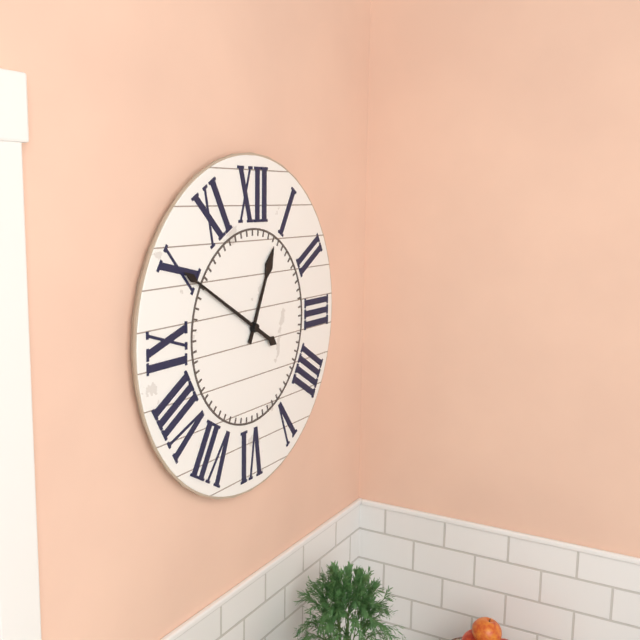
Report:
12:50
